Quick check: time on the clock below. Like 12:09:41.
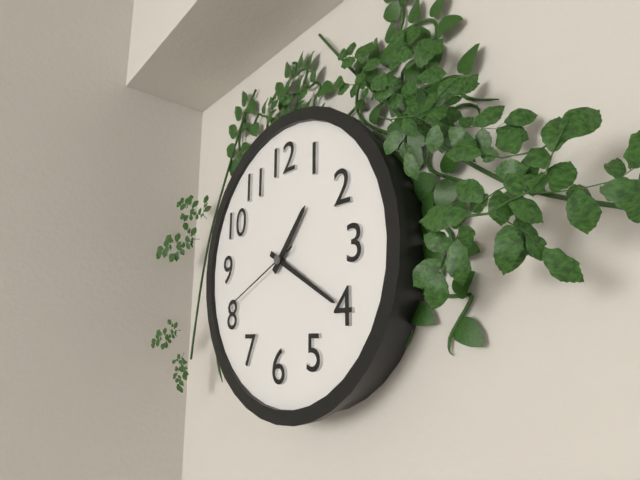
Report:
1:20:41
